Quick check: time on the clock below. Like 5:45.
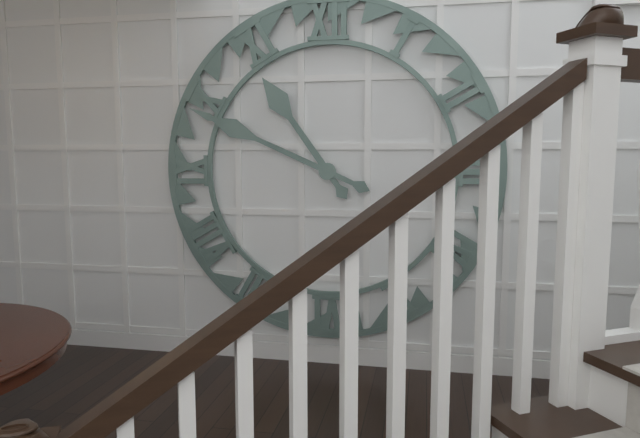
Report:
10:49
